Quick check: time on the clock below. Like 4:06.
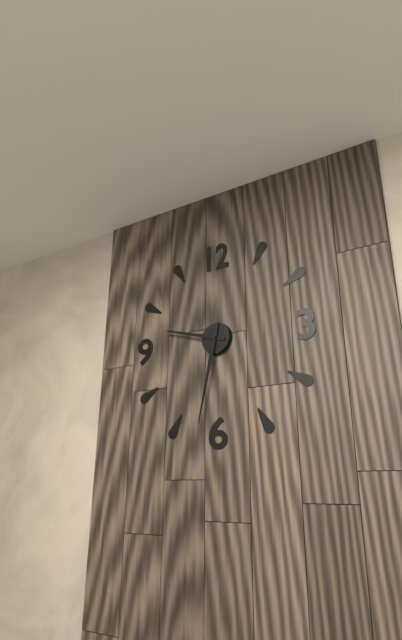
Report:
9:32
